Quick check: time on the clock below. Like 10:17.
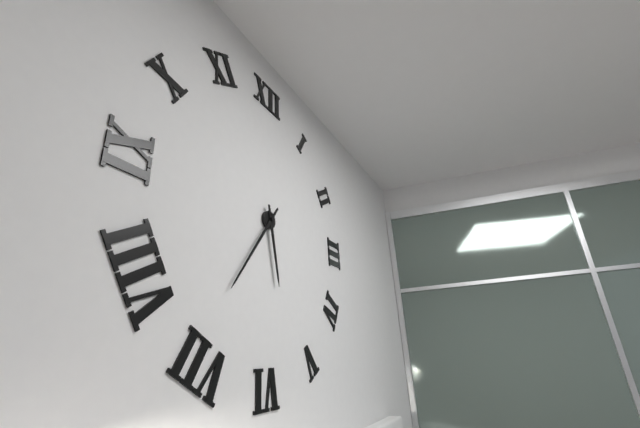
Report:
5:36
